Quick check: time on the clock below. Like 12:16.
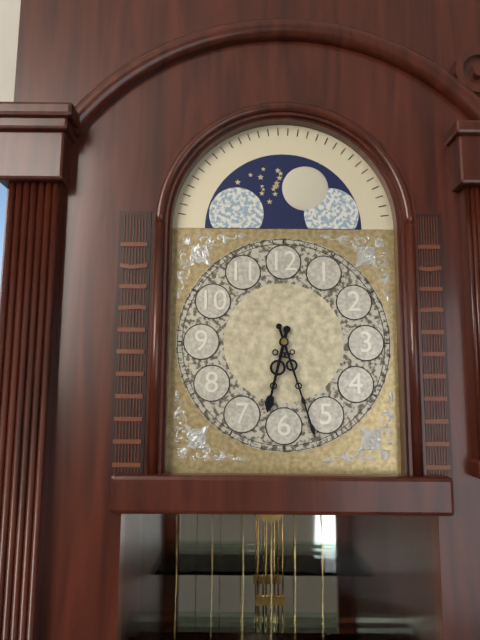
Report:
6:27
